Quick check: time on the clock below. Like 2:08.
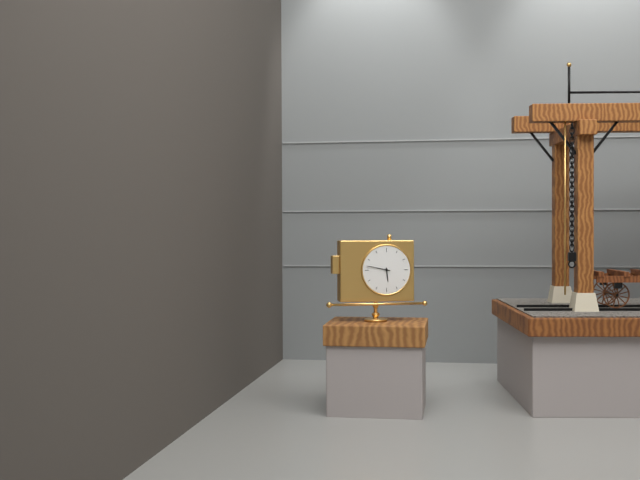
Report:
5:47
